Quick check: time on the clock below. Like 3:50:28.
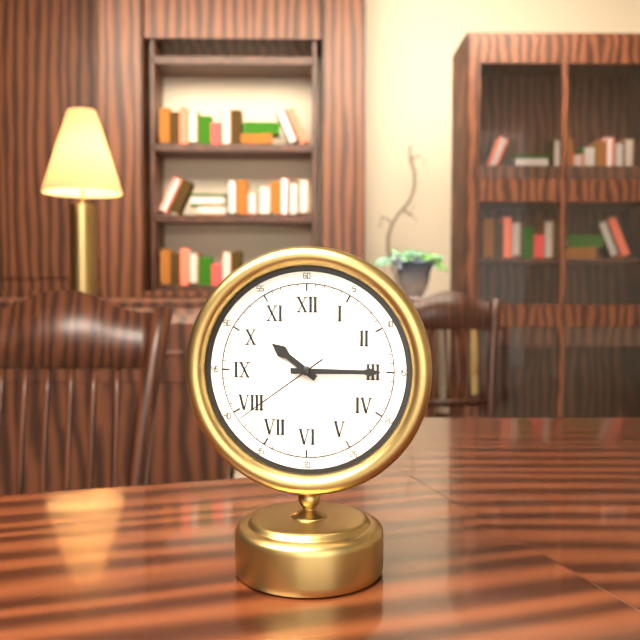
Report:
10:15:39
